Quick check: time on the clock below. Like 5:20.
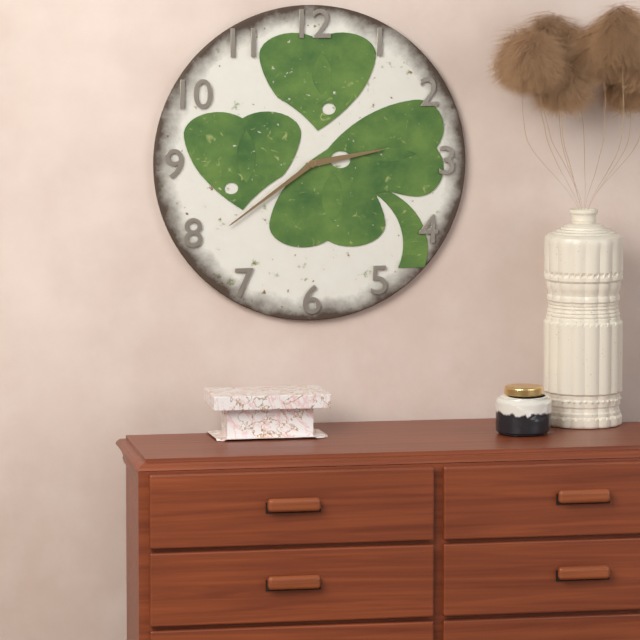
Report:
2:39
